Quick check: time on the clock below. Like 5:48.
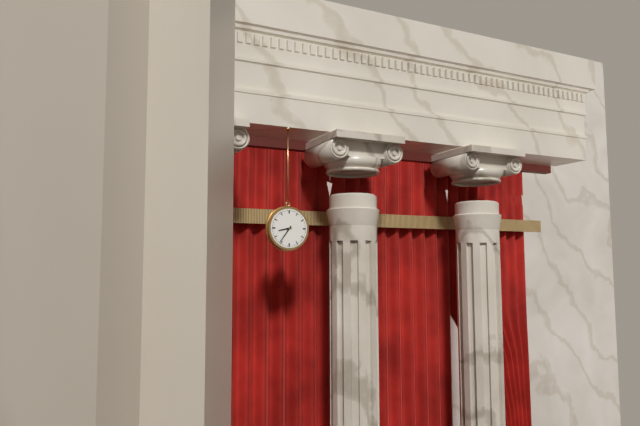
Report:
8:36
